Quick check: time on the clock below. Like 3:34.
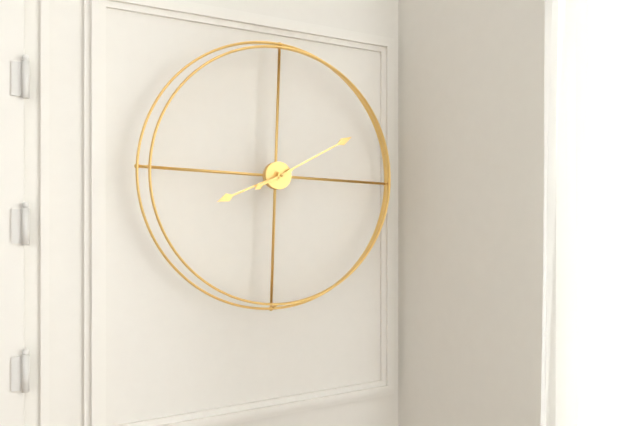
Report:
8:10
